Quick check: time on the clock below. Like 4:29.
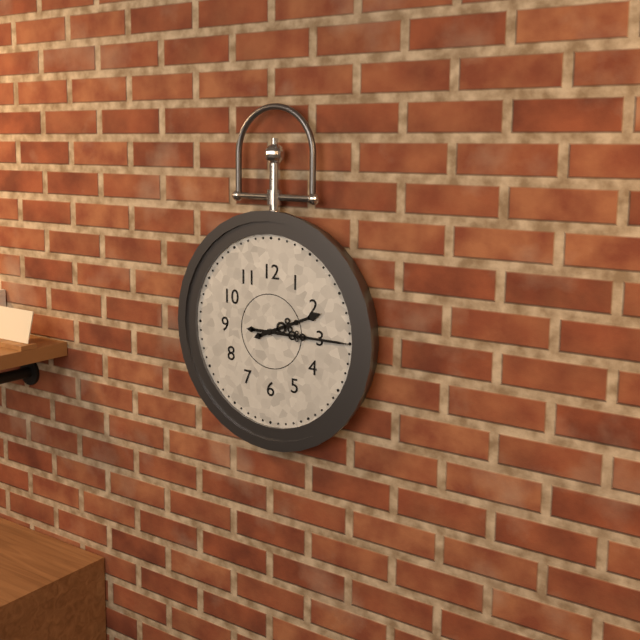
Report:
2:15
